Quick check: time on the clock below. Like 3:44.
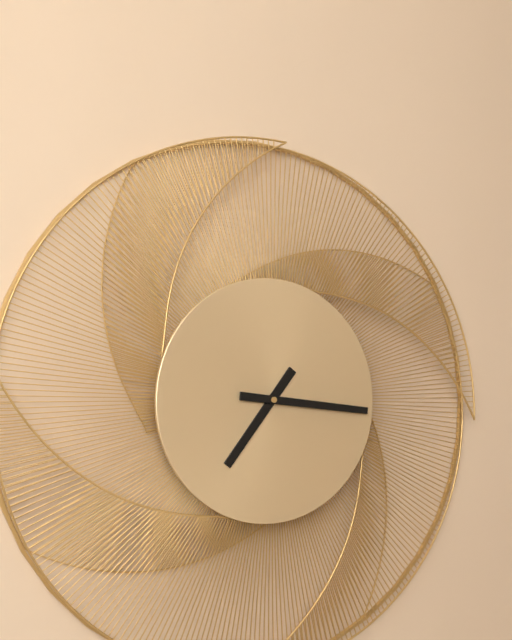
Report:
7:16
